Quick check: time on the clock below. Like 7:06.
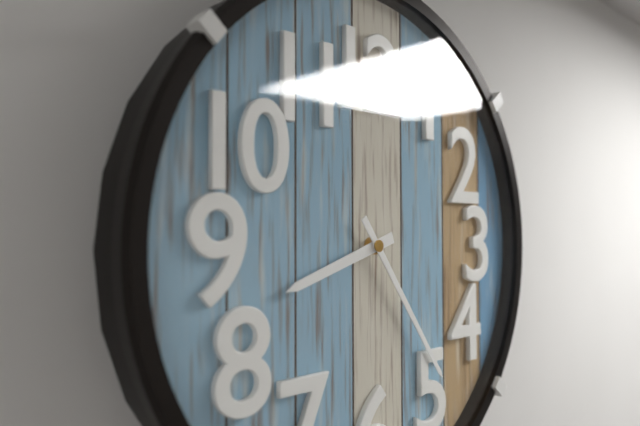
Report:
8:24
